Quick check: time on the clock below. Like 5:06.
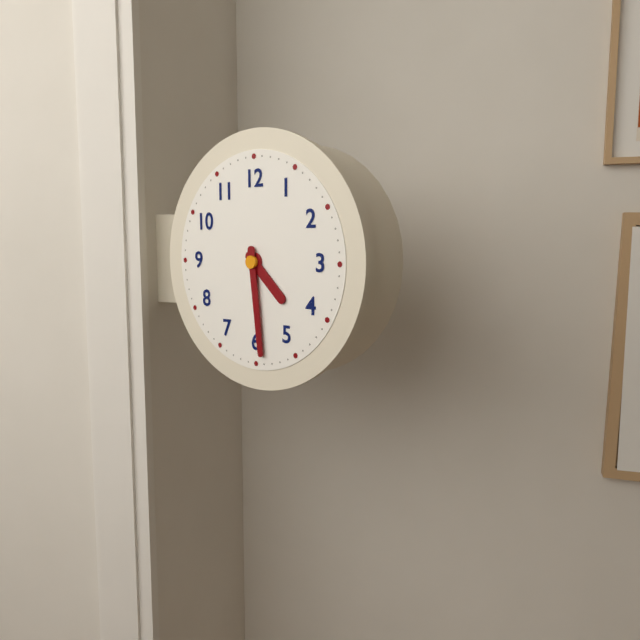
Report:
4:29
